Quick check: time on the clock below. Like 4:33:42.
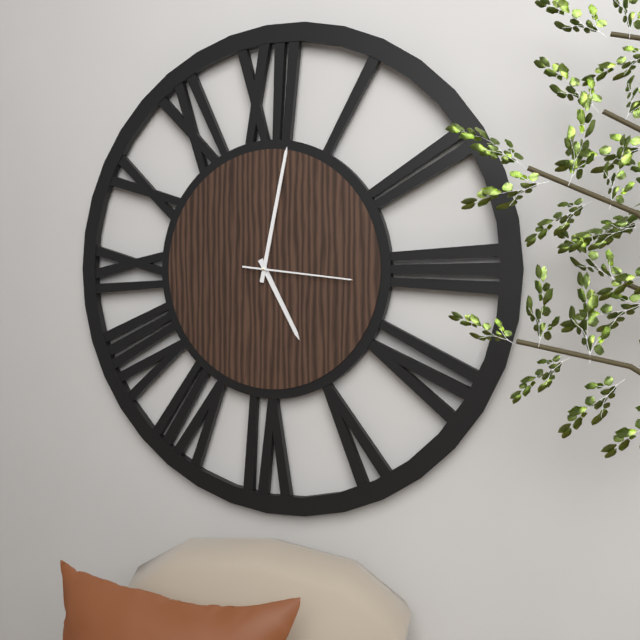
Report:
5:02:16
